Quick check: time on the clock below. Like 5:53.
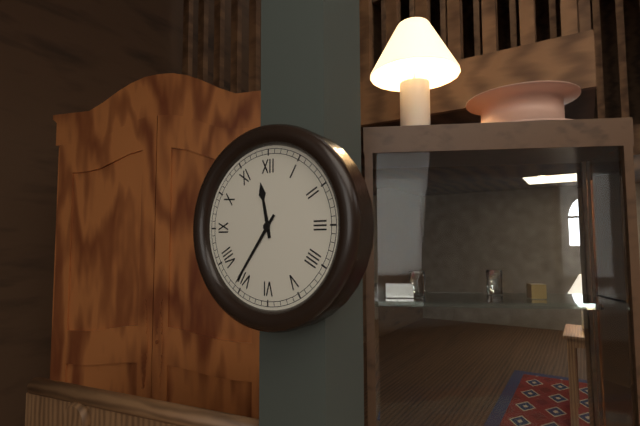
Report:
11:36
